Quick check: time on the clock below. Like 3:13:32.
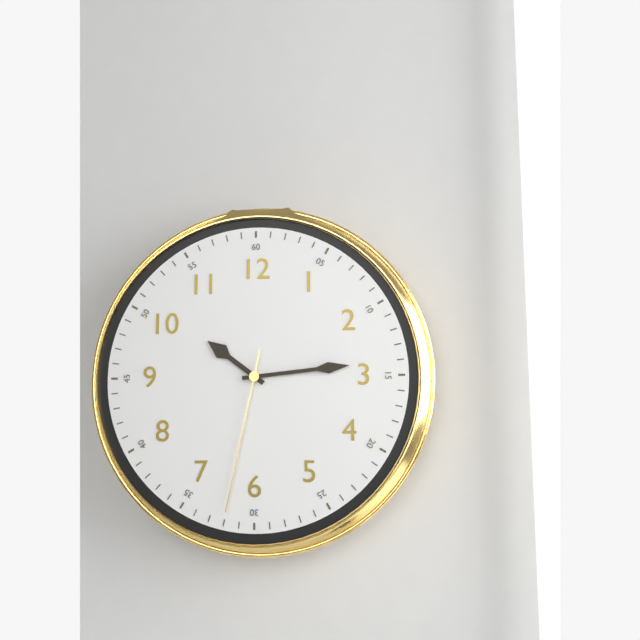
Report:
10:14:32
